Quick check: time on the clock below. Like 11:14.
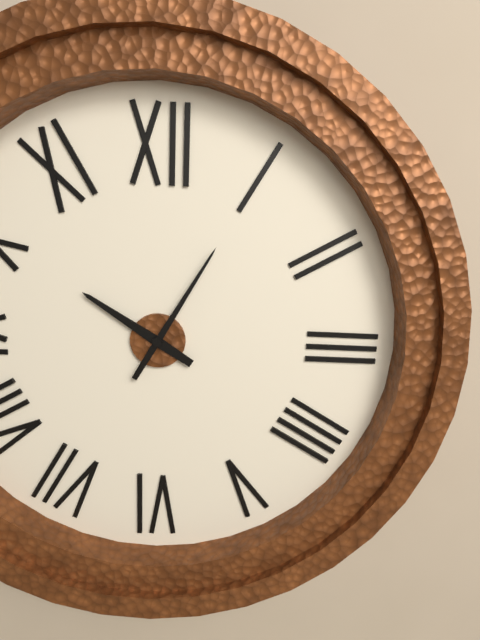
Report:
10:05
